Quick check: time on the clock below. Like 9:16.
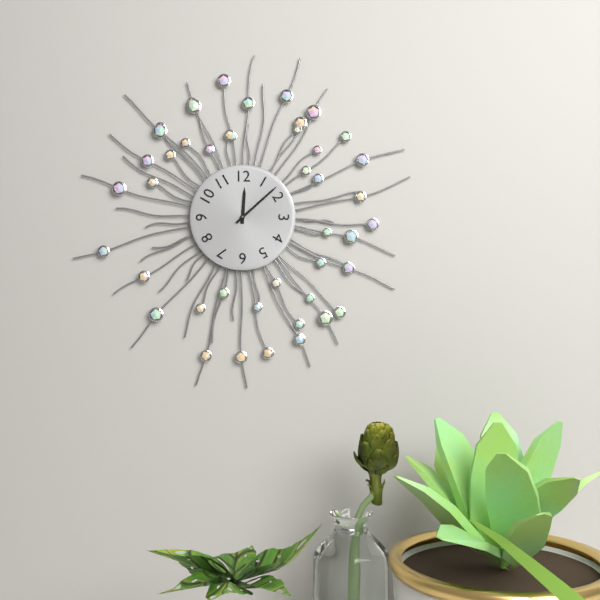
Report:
12:08
